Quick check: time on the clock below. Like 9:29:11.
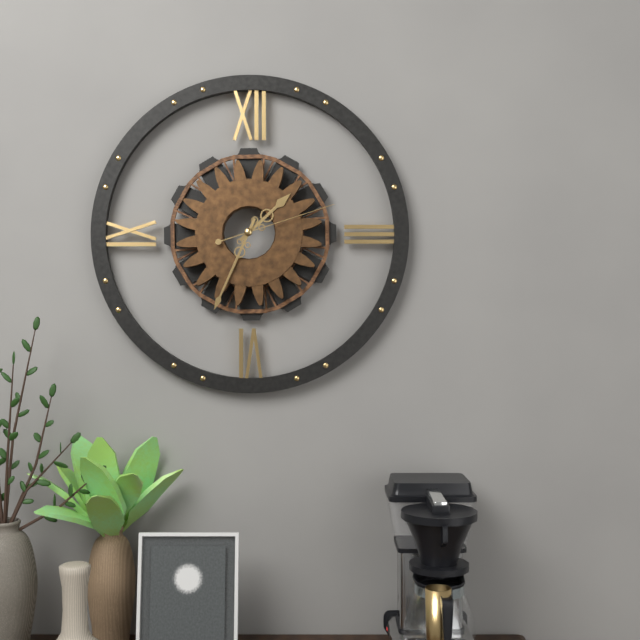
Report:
1:34:12
